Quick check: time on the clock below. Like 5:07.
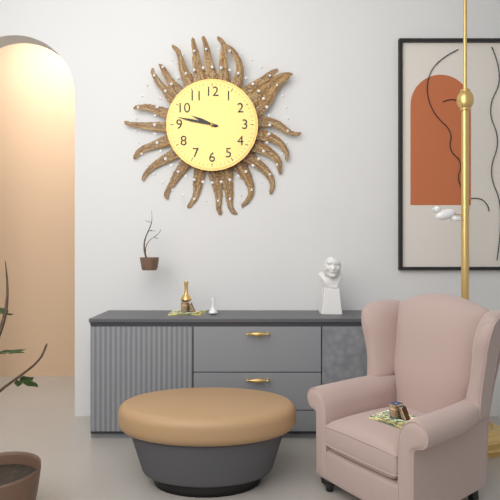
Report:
9:47
